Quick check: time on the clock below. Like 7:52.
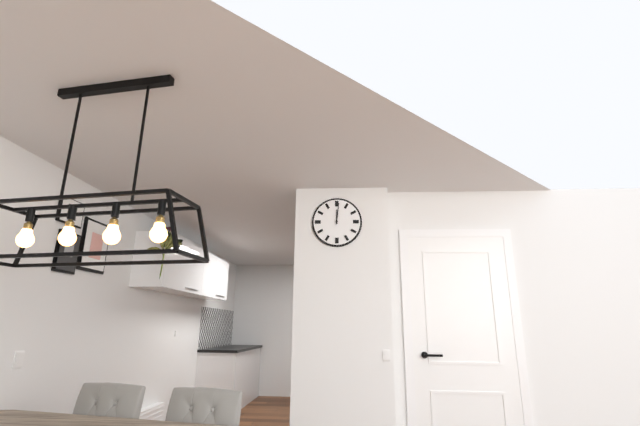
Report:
12:01
